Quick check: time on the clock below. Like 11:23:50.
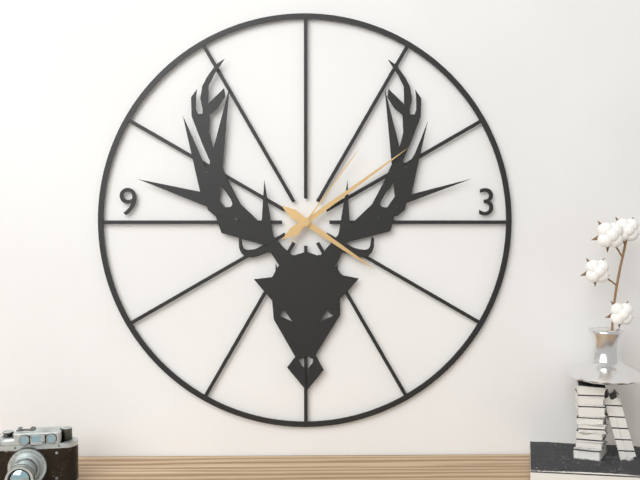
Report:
4:09:06
